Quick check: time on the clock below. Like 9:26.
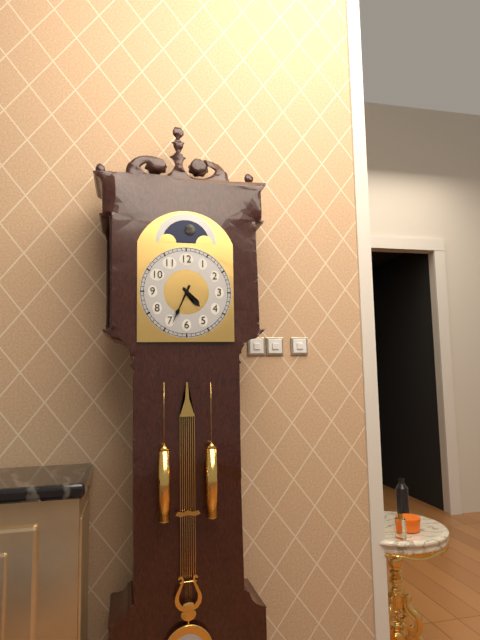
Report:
4:34
